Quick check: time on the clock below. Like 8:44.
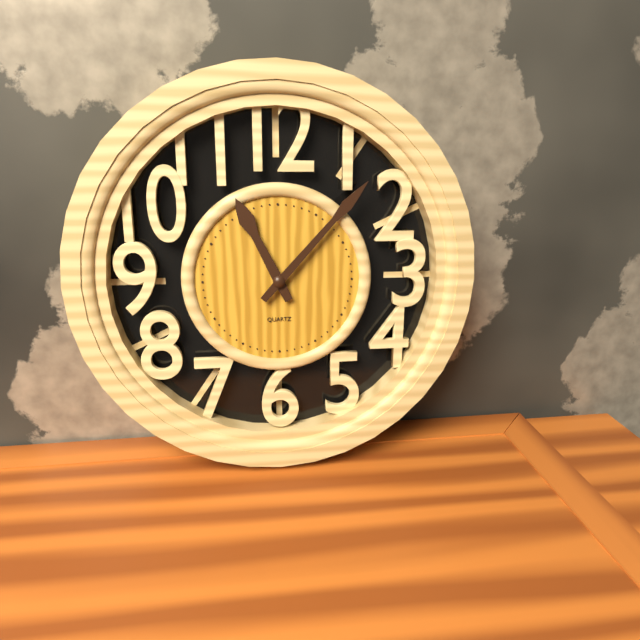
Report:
11:07
